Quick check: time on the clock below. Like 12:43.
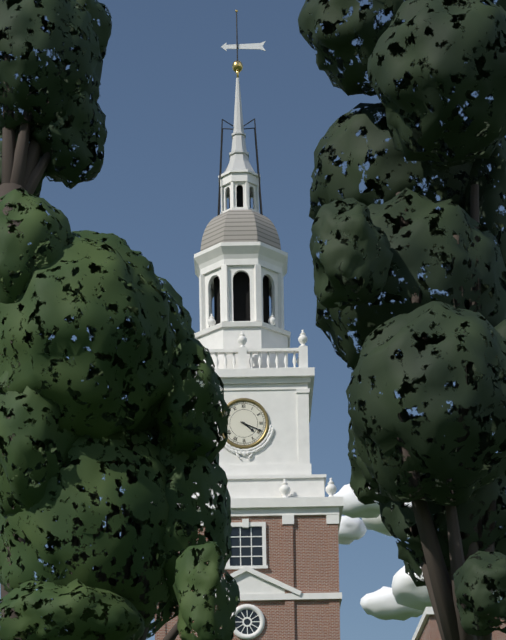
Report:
4:19
